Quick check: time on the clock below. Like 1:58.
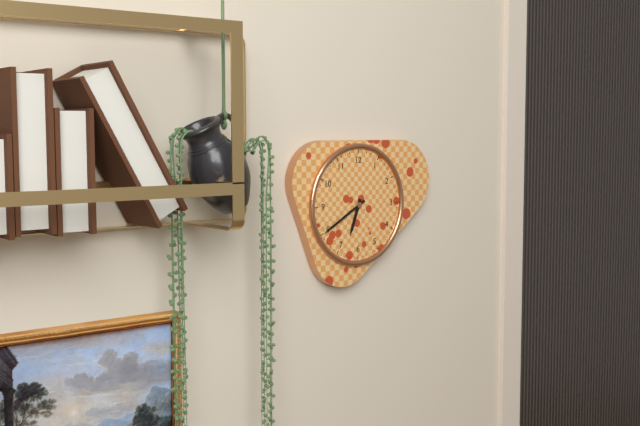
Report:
6:40
